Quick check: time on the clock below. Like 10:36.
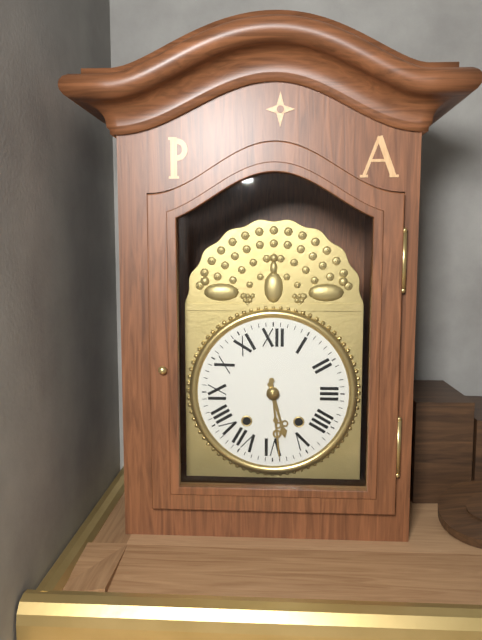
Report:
5:29
